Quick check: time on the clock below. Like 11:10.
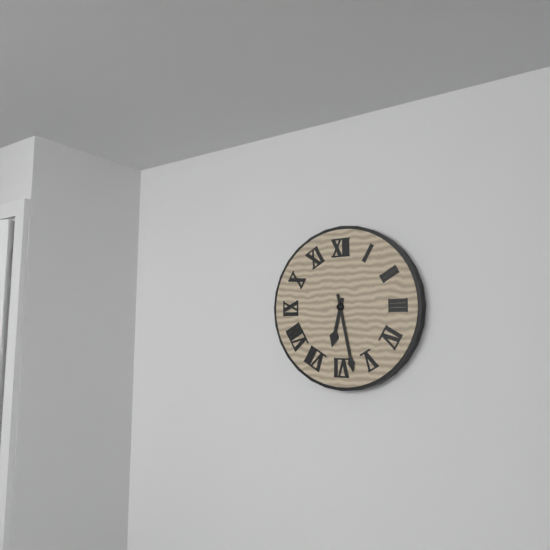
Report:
6:28
